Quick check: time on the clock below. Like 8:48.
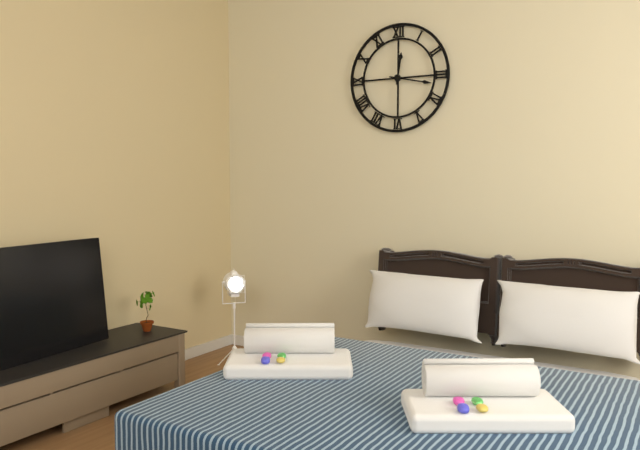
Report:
12:17
